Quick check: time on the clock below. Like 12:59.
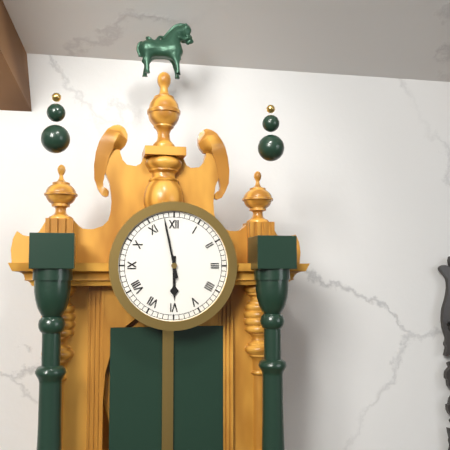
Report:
5:58
